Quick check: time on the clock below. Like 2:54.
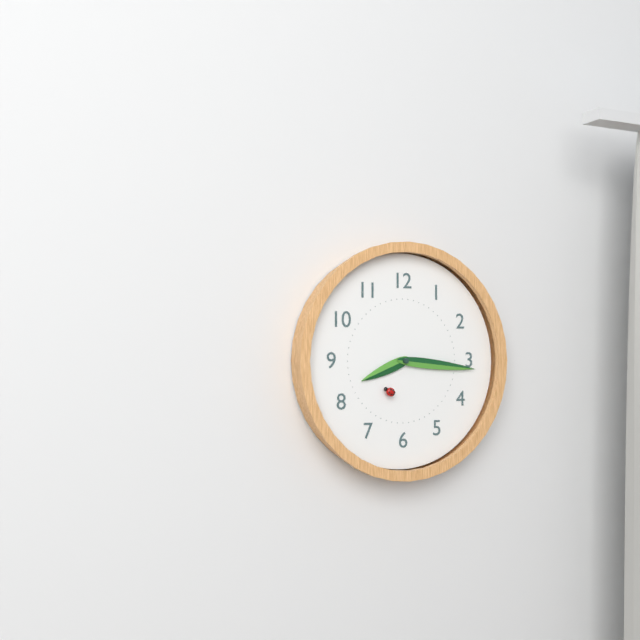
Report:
8:16
